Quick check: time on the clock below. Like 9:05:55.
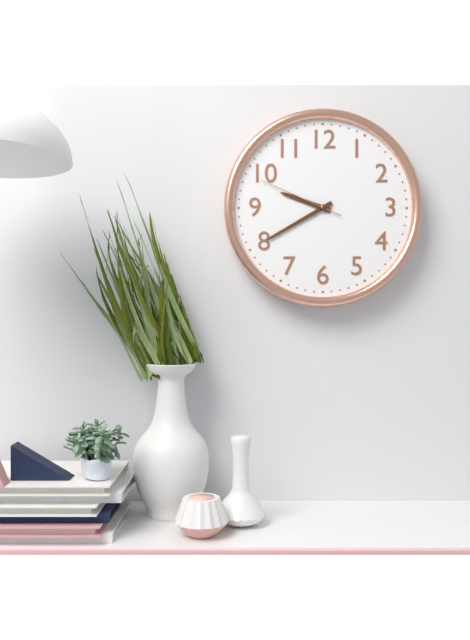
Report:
9:40:49
